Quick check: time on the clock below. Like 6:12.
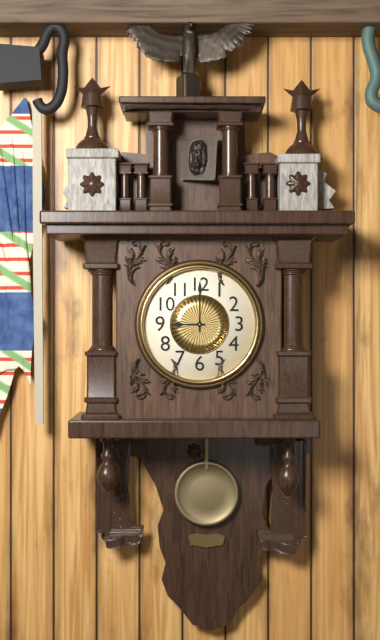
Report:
9:00
